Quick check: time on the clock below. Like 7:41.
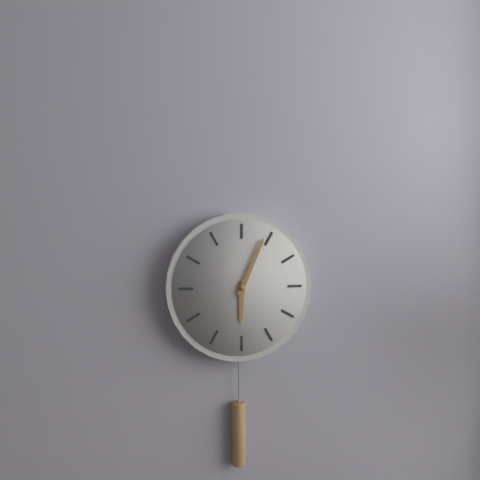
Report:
6:04
